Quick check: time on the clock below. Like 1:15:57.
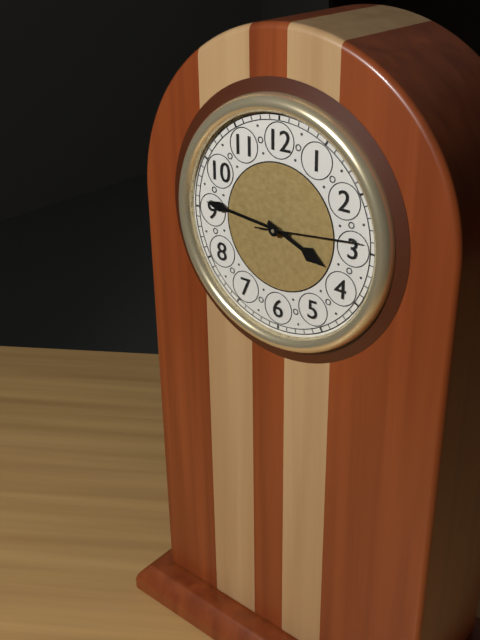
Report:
3:46:14
